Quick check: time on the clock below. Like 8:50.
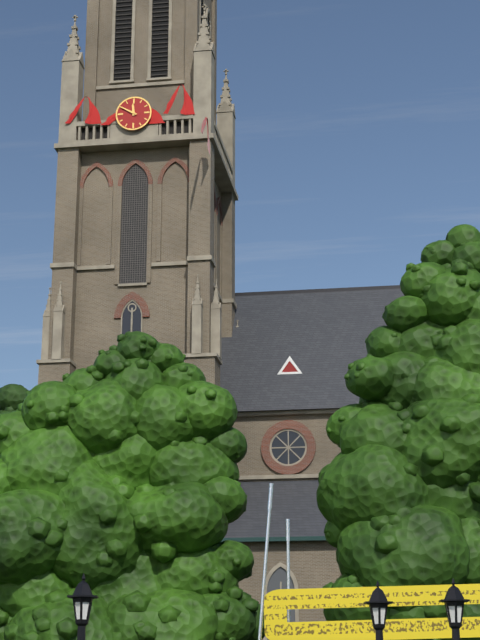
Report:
11:50
